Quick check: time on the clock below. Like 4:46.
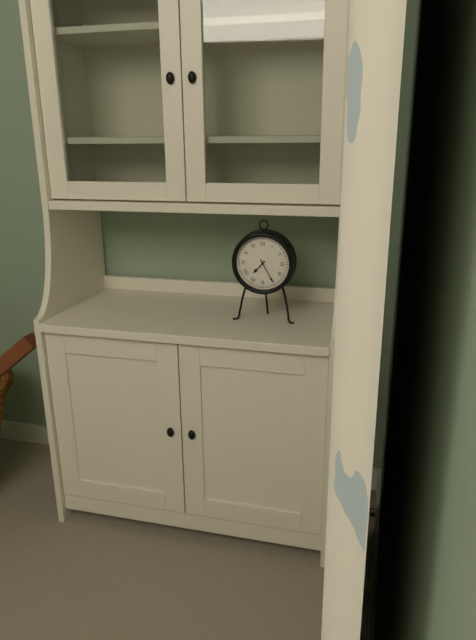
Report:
7:25
